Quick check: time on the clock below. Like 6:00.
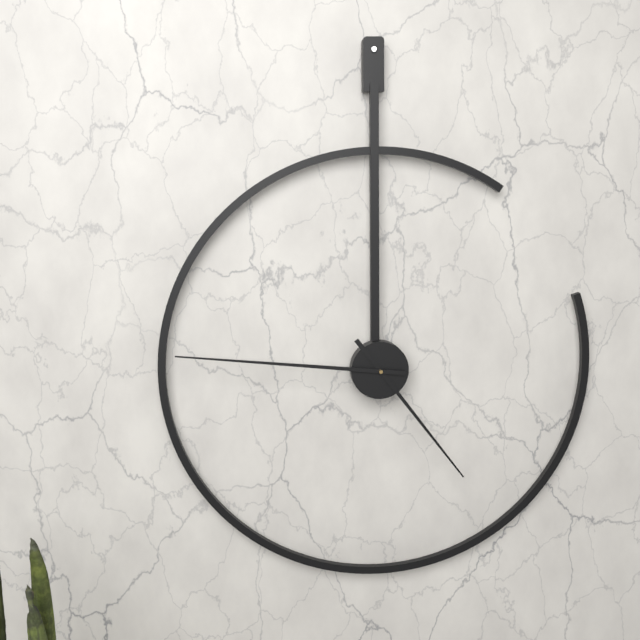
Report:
4:46
